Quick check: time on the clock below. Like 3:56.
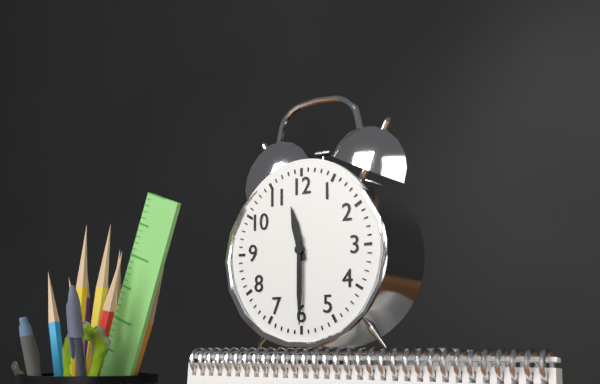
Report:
11:30
